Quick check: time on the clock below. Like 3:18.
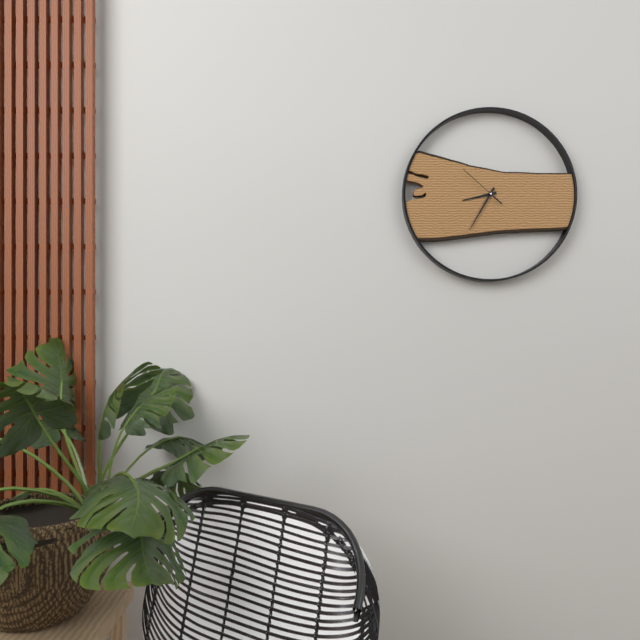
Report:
8:35
